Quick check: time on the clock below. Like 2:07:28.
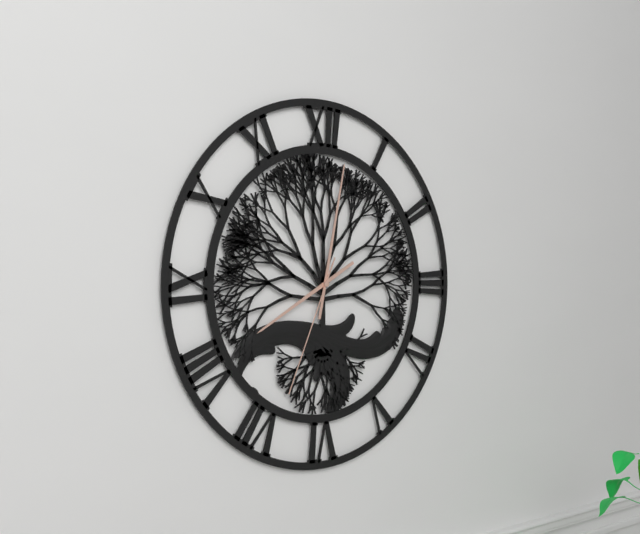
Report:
8:02:34
